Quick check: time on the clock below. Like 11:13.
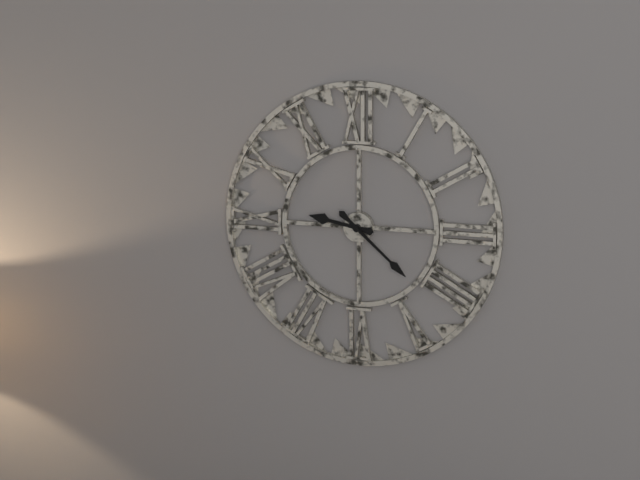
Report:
9:22
